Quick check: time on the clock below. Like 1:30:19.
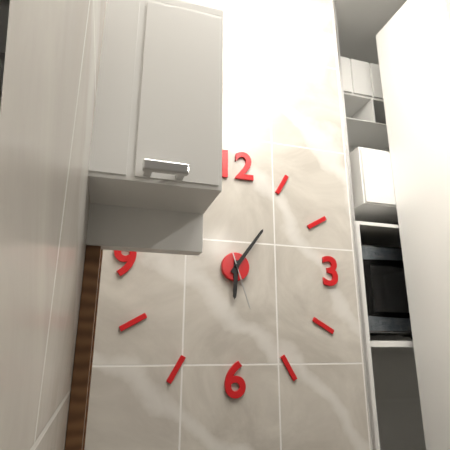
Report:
6:06:27
